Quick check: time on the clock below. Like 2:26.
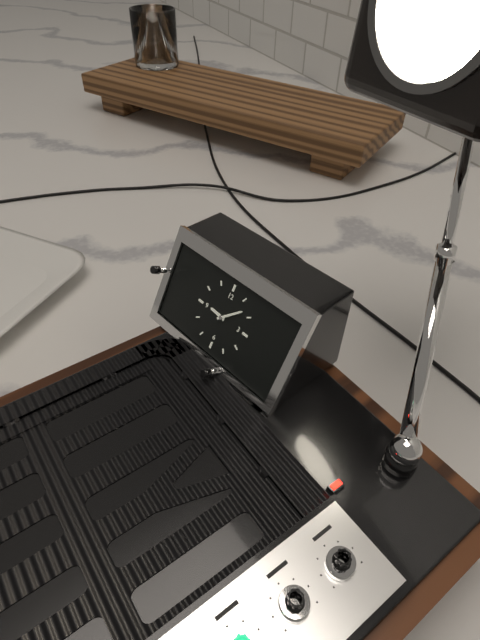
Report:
9:08
